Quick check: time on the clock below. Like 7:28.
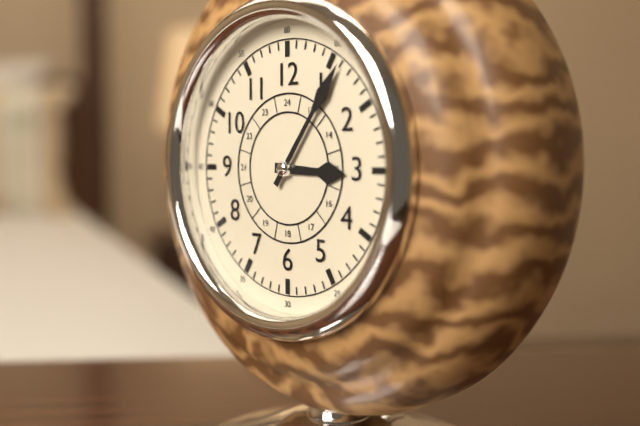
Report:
3:06
